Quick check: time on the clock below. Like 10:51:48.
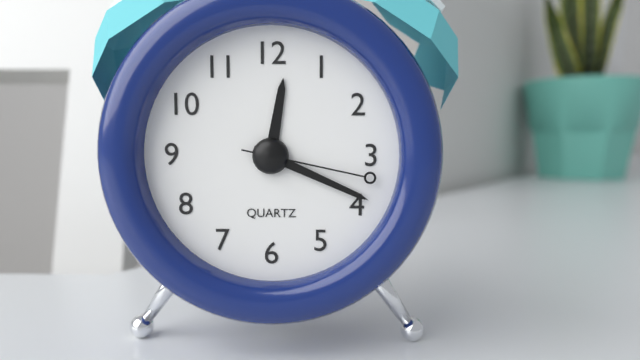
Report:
12:19:17
